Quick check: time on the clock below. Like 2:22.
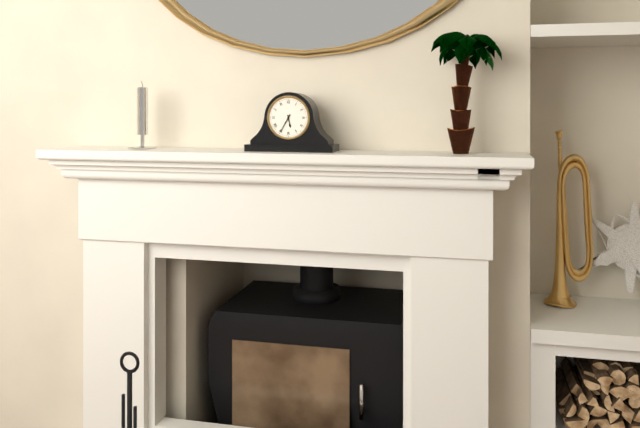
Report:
5:35
